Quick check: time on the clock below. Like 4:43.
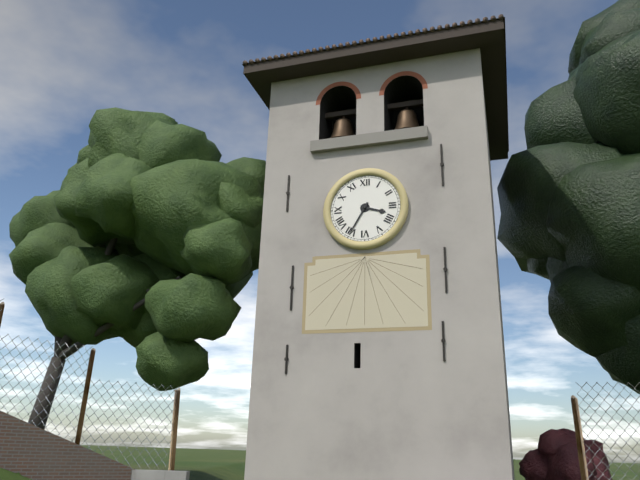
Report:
3:35
